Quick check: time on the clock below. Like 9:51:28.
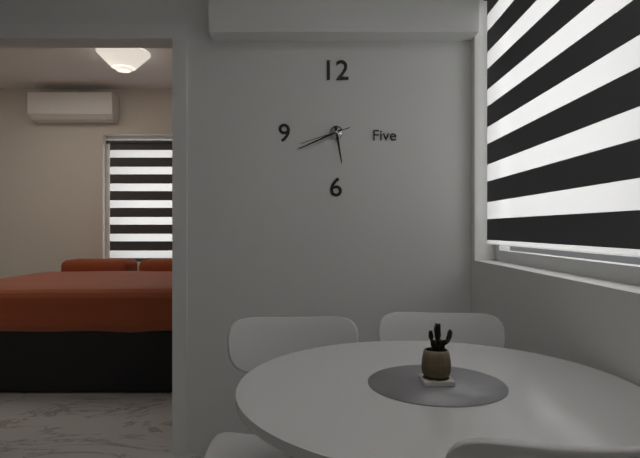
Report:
5:41:42
